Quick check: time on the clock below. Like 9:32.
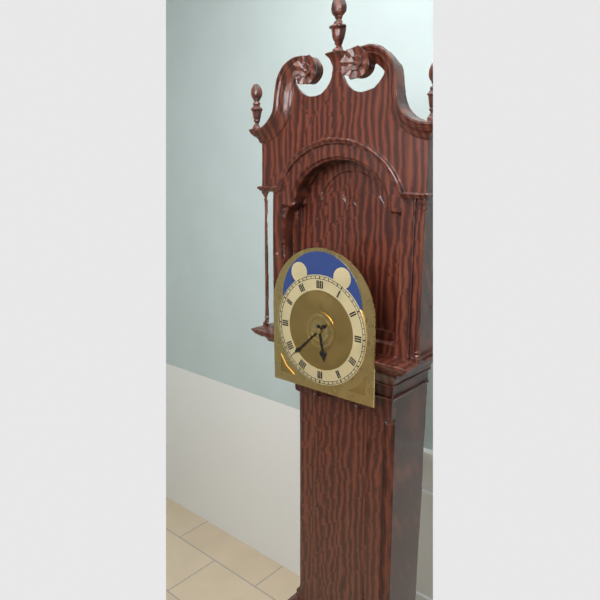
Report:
5:38
